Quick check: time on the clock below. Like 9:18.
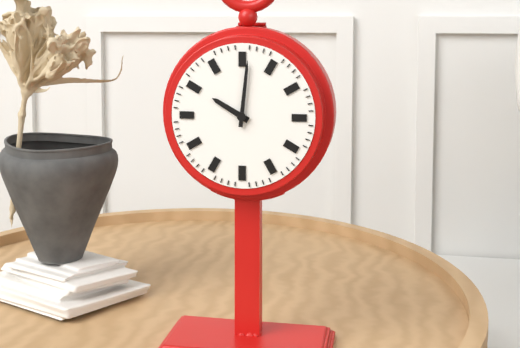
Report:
10:01
